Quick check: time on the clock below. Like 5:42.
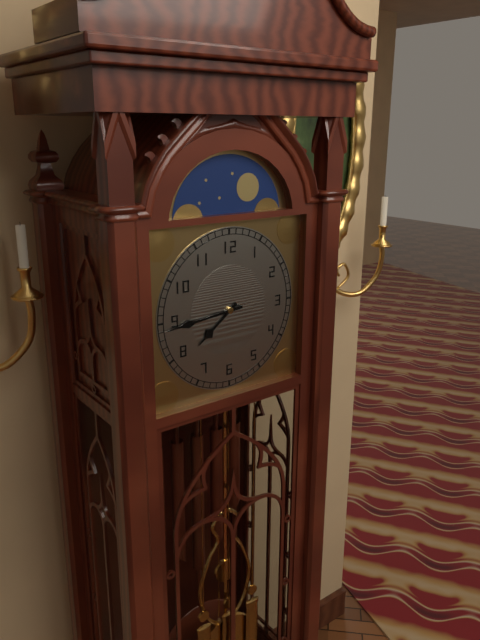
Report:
7:44
